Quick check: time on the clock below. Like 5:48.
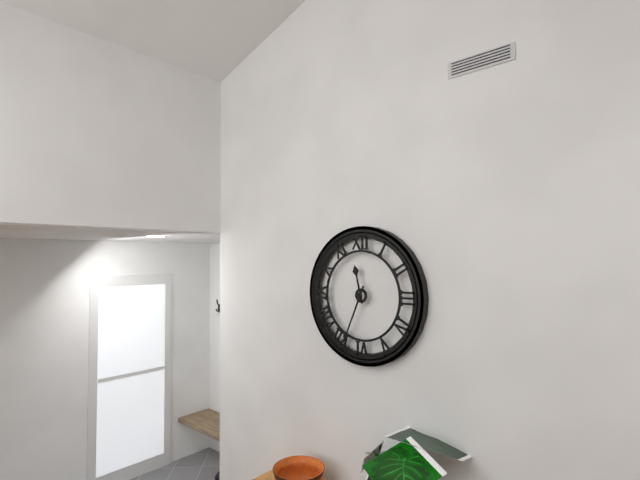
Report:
11:34
